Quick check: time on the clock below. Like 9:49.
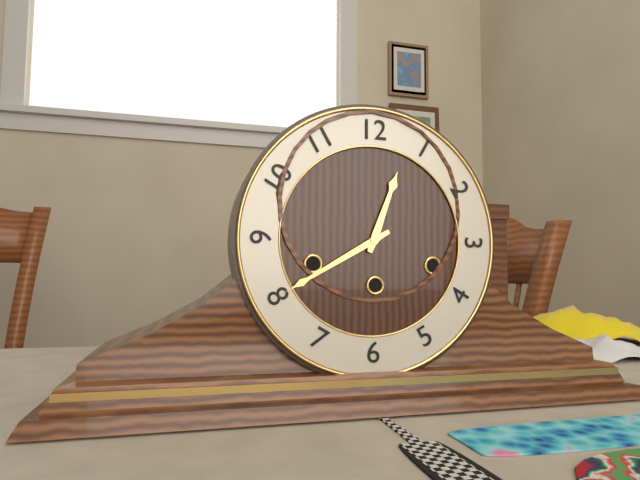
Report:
12:40
